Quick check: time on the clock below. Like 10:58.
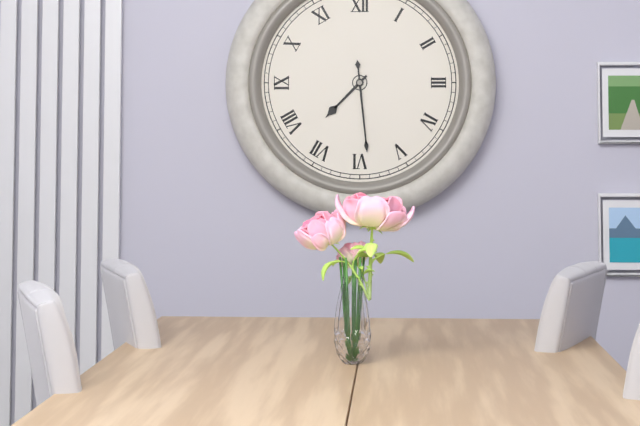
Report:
7:29
